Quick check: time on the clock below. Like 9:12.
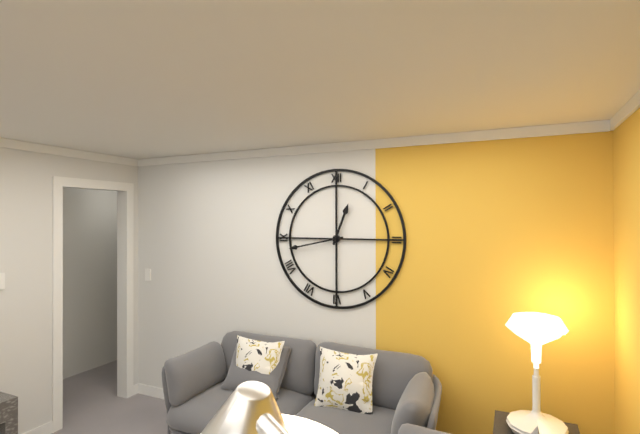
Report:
12:43
